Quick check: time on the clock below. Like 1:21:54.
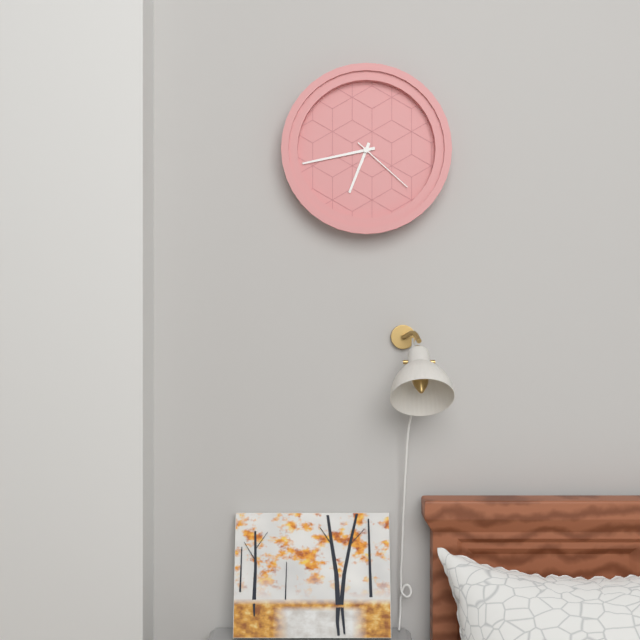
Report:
6:43:22
